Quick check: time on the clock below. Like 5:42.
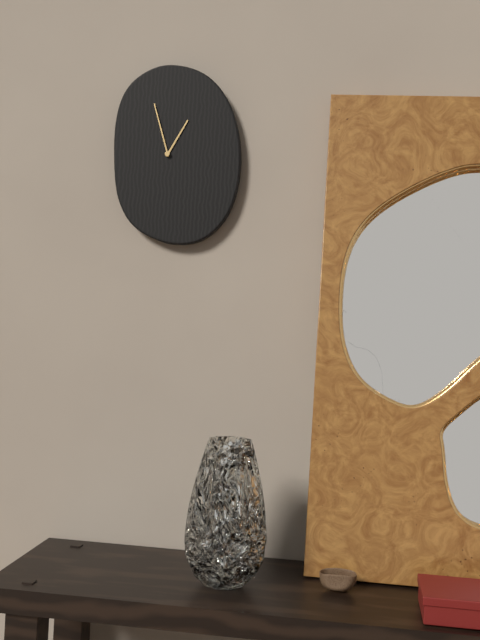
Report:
12:57
